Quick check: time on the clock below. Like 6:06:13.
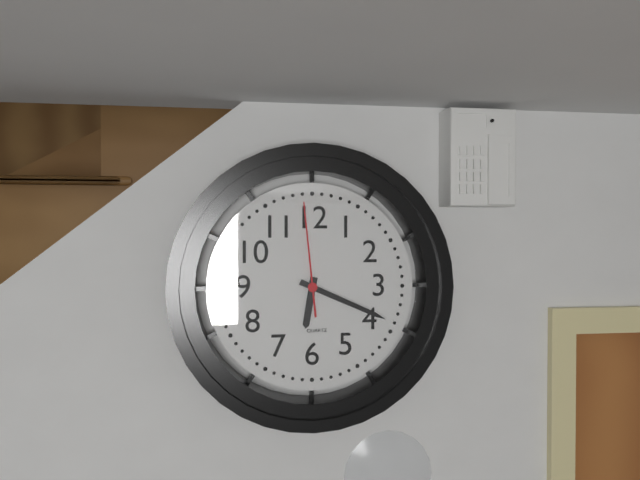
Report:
6:19:59
